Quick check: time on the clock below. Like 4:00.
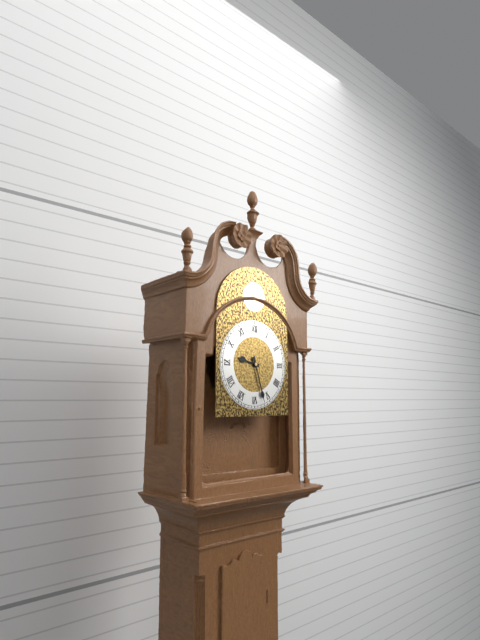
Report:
9:27
